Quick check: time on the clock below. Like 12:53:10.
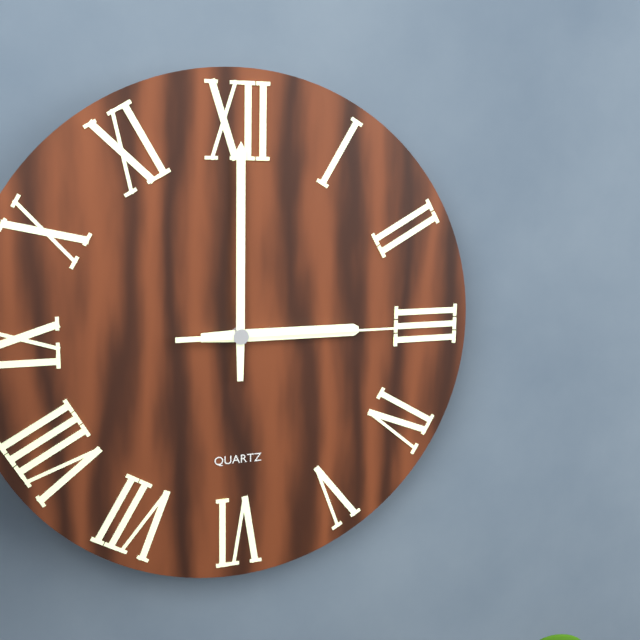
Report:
3:00:15
